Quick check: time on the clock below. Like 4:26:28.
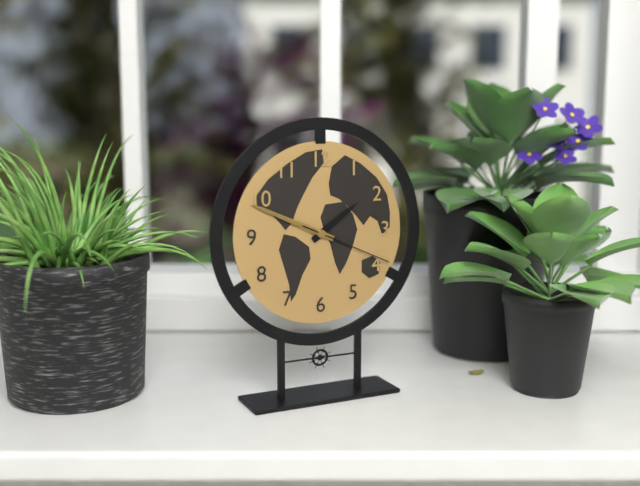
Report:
1:49:19
